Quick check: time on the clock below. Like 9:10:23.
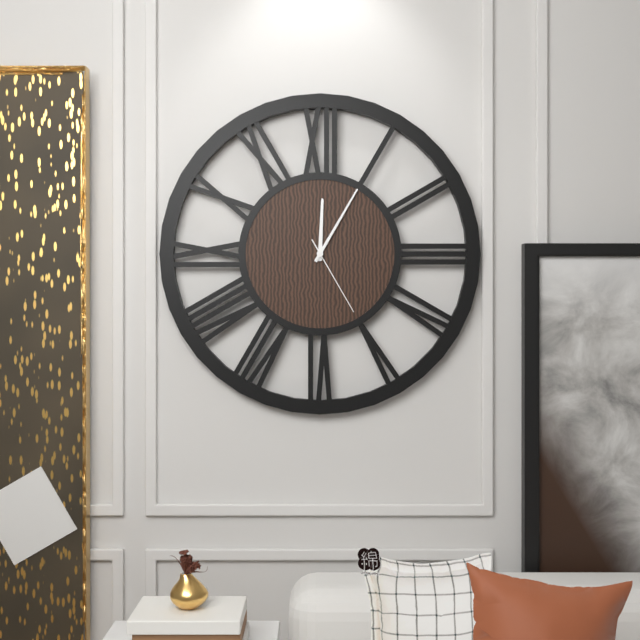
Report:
12:05:25
